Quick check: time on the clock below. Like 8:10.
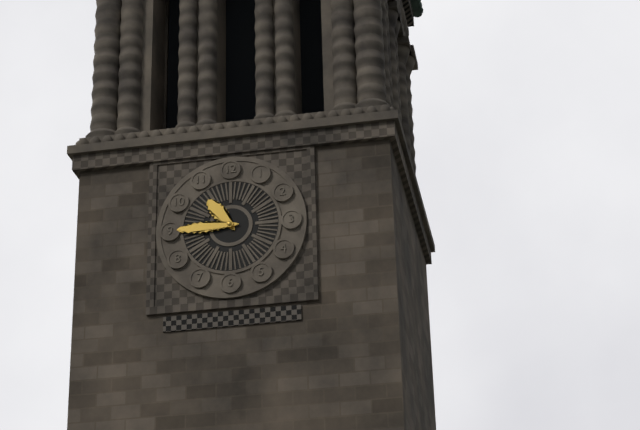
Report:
10:45
